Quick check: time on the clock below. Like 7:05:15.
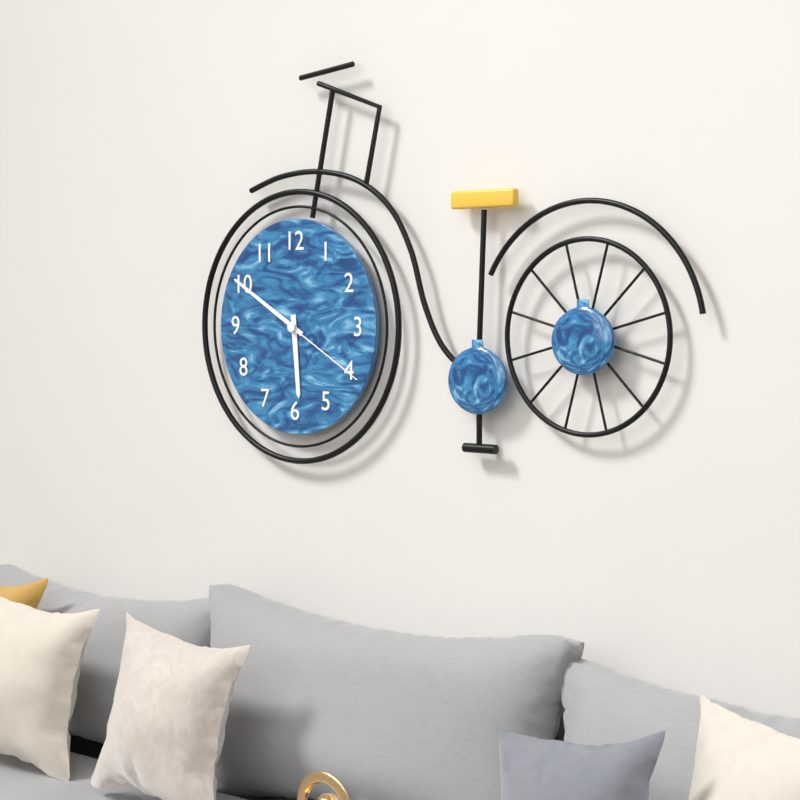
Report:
5:50:20
